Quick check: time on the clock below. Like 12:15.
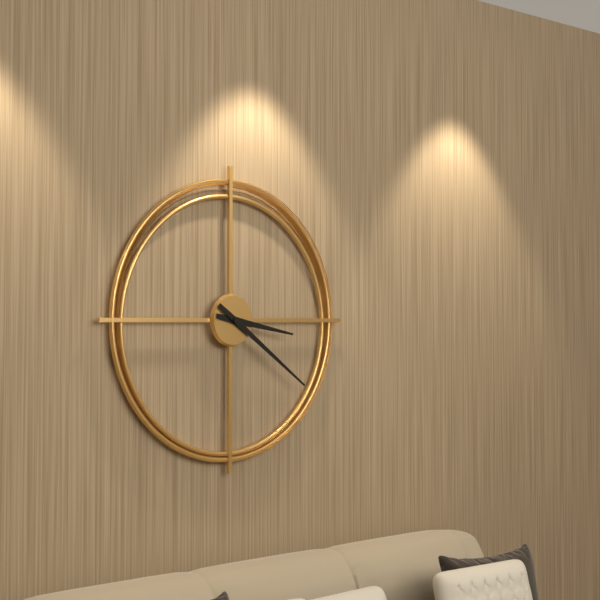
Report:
3:21
